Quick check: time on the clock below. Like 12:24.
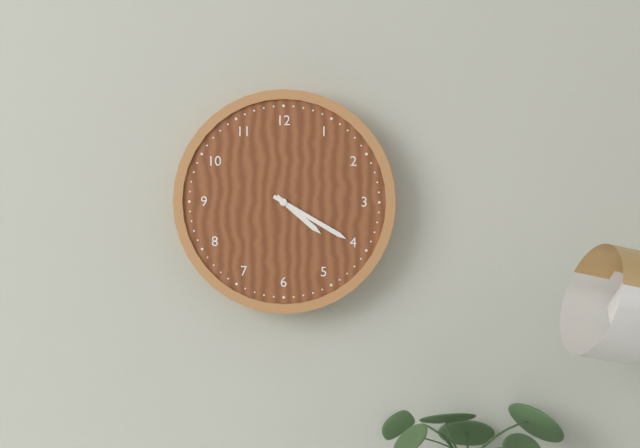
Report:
4:20
